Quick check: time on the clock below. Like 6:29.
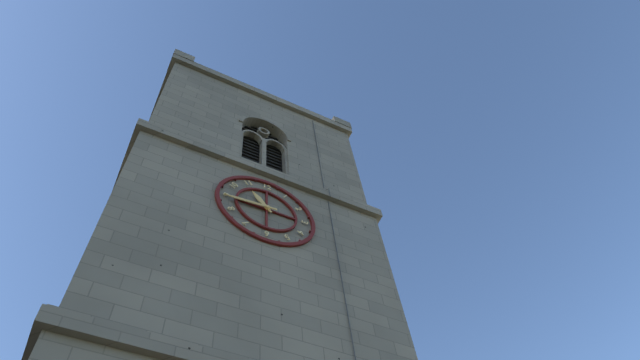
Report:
10:44
